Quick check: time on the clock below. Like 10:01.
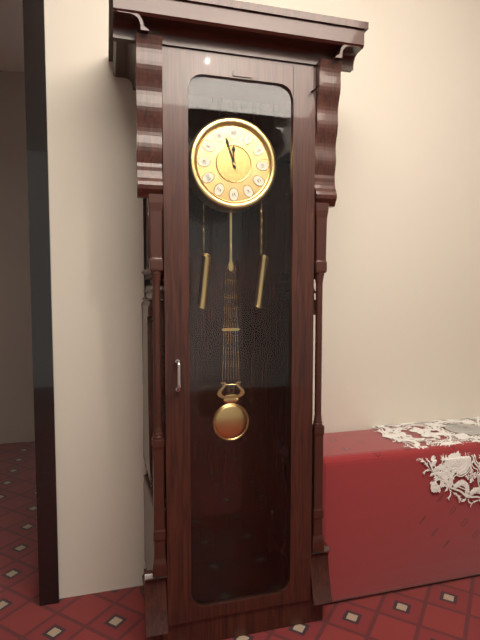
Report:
11:57
